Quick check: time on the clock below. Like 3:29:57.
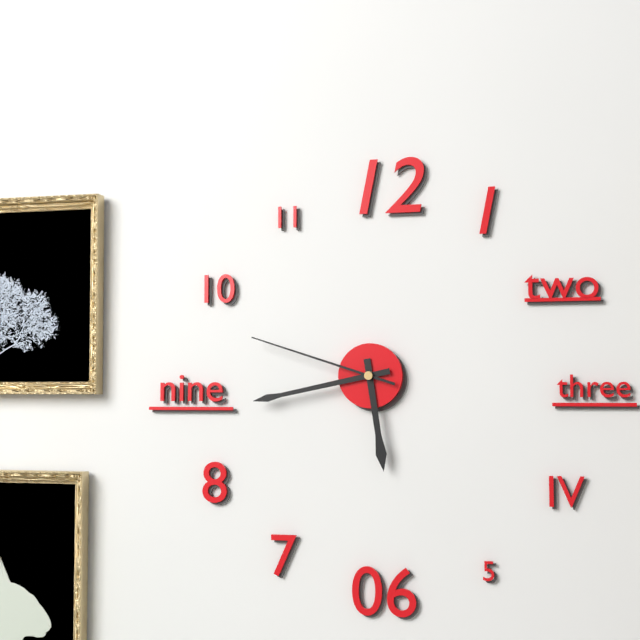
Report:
5:43:48
